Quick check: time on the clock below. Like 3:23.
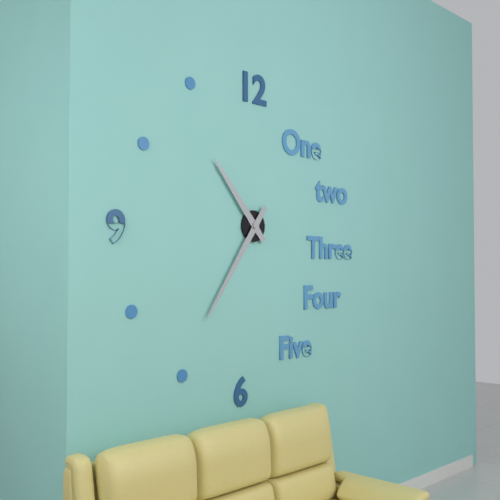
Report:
10:36
